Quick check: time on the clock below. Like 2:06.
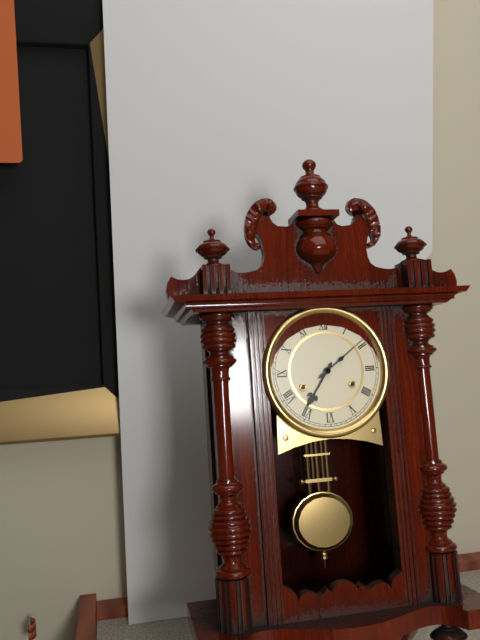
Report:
7:09
